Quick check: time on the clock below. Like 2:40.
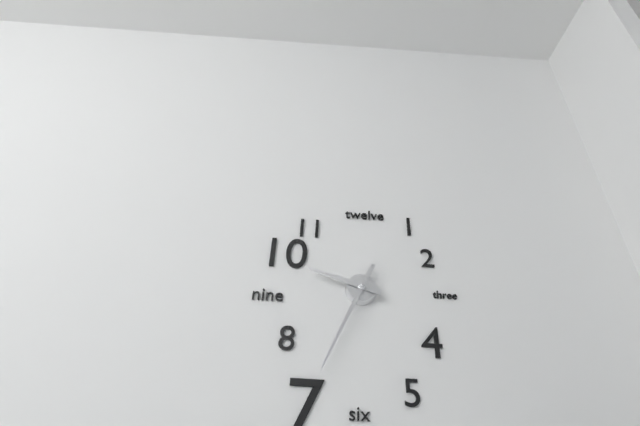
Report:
9:34
